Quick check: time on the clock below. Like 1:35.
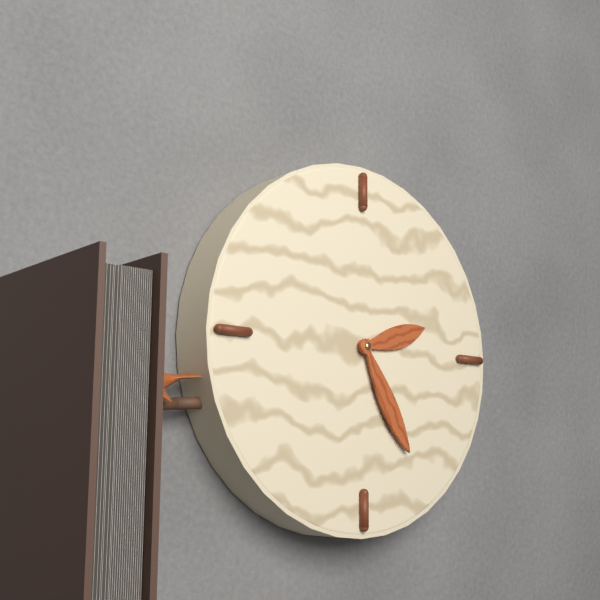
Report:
2:25
